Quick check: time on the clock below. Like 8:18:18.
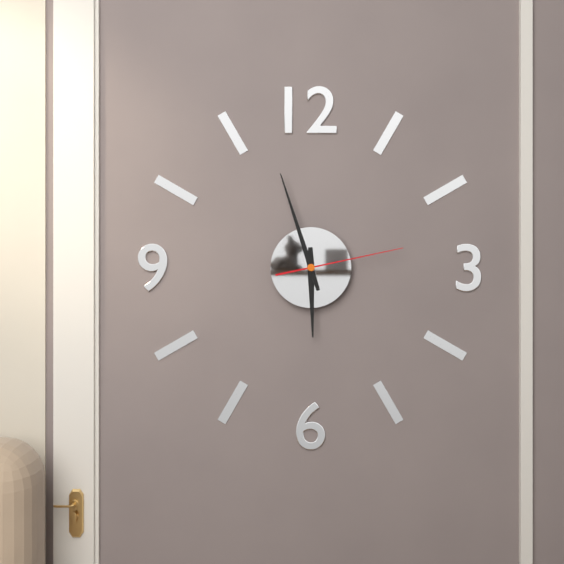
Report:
5:57:13
